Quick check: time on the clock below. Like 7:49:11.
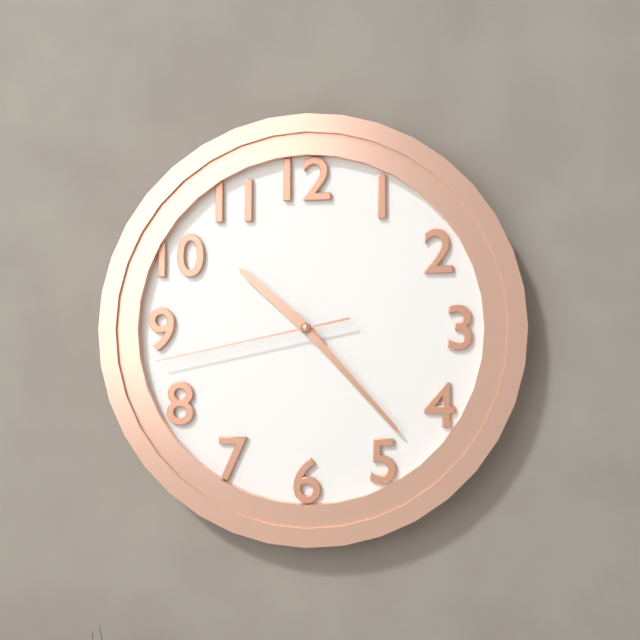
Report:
10:23:43
